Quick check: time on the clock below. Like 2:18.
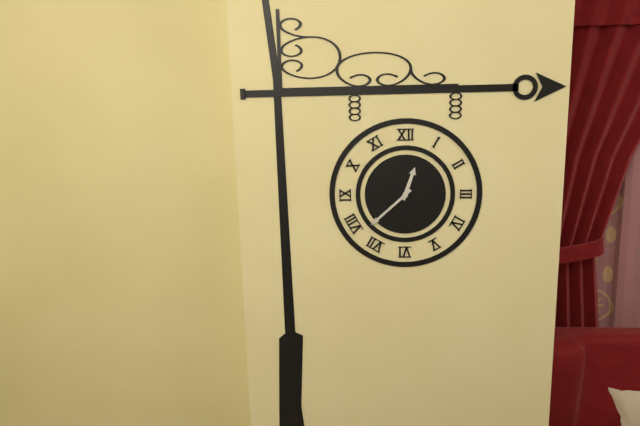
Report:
12:38
